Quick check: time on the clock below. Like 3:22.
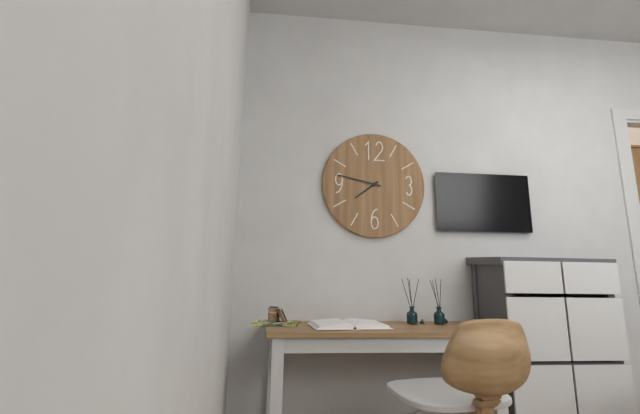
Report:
7:47
